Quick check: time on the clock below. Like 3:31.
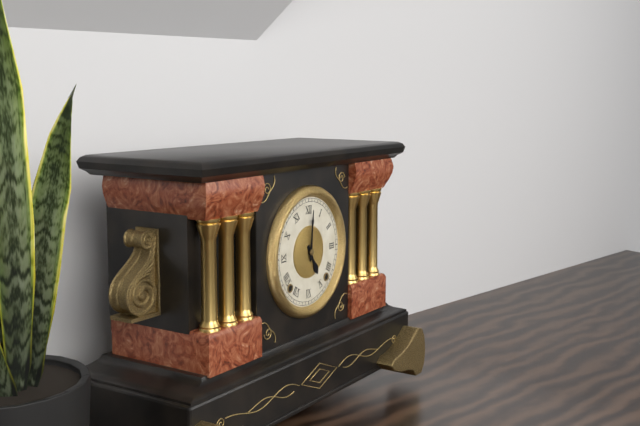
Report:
5:01
